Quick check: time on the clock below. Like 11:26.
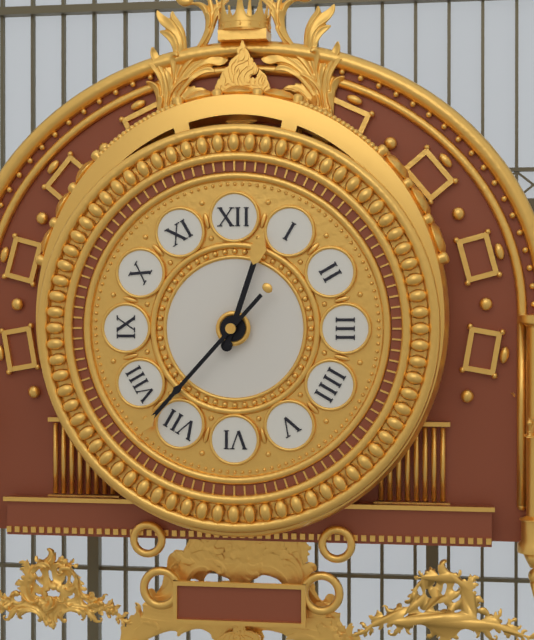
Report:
12:37
